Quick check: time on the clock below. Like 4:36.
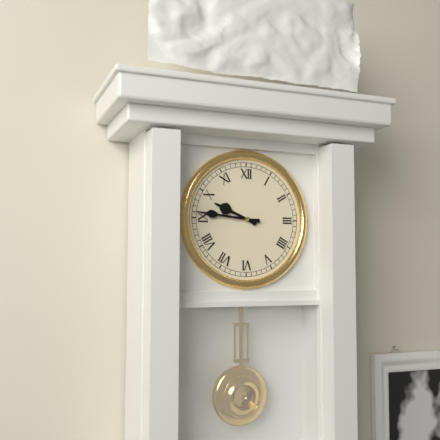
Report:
9:46
